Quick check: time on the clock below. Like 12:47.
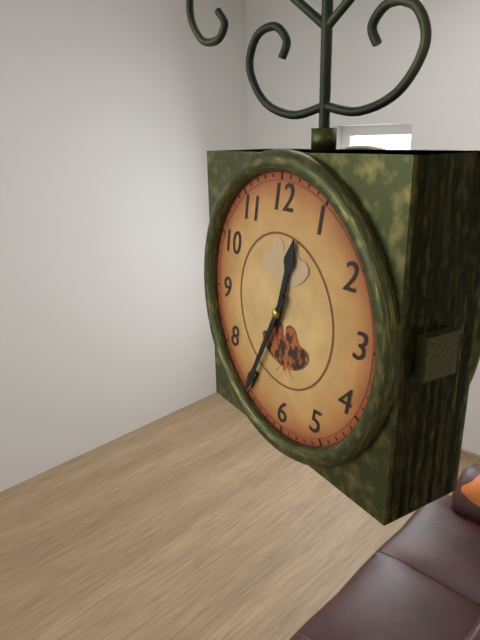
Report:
12:35
